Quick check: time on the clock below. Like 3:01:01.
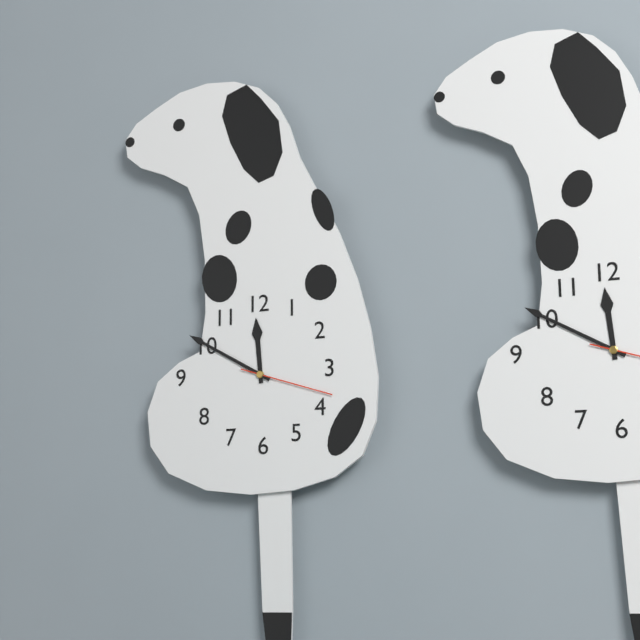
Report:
11:50:18
